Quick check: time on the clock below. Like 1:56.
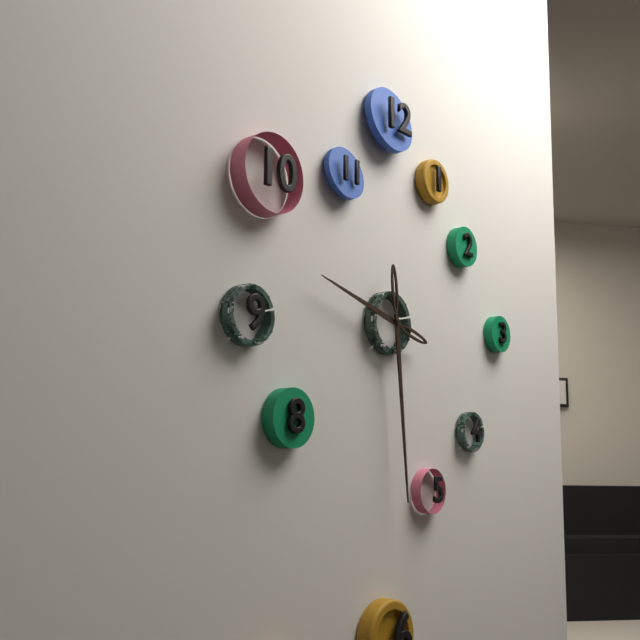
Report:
9:29
